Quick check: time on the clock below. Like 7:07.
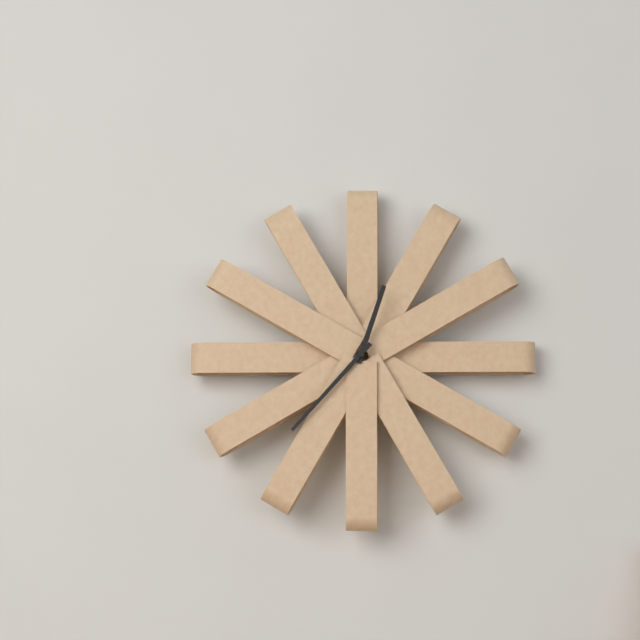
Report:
12:37
